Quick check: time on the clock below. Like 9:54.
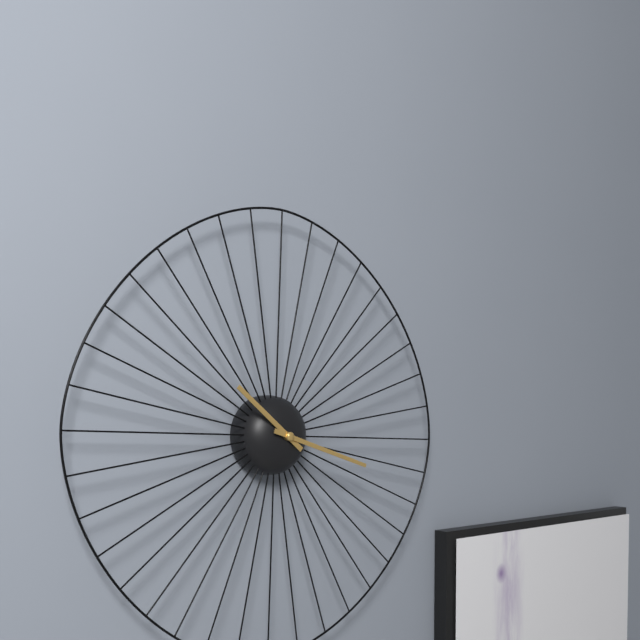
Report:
10:18
